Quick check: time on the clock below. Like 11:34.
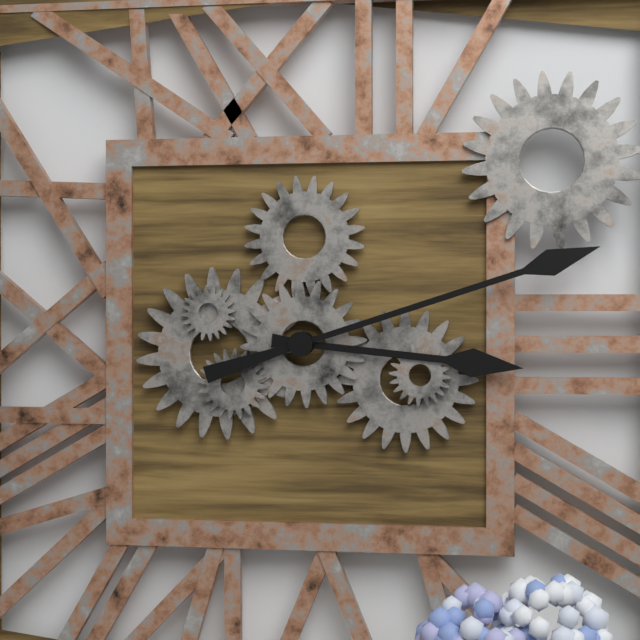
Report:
3:12
